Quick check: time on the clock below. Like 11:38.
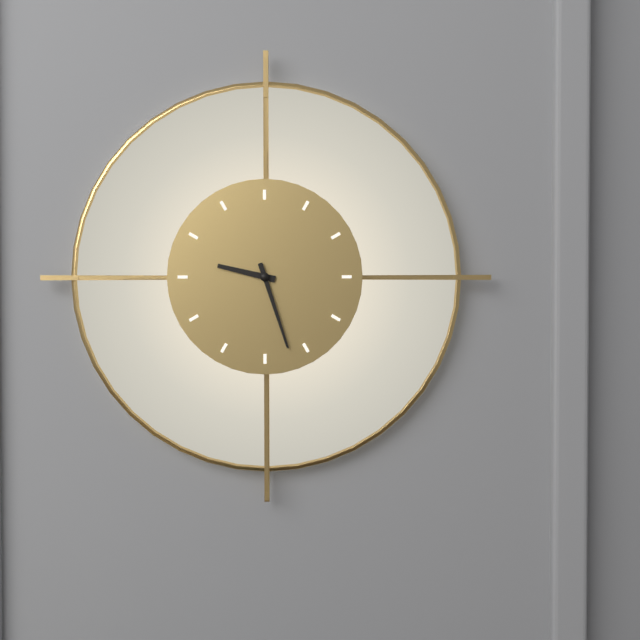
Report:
9:27
